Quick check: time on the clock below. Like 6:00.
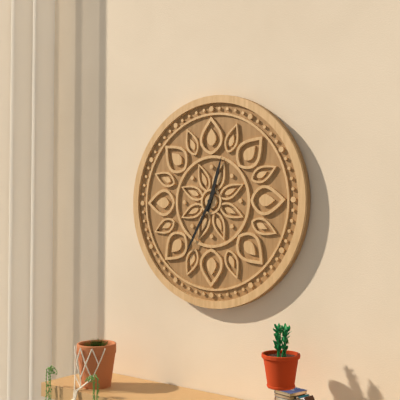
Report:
12:35
